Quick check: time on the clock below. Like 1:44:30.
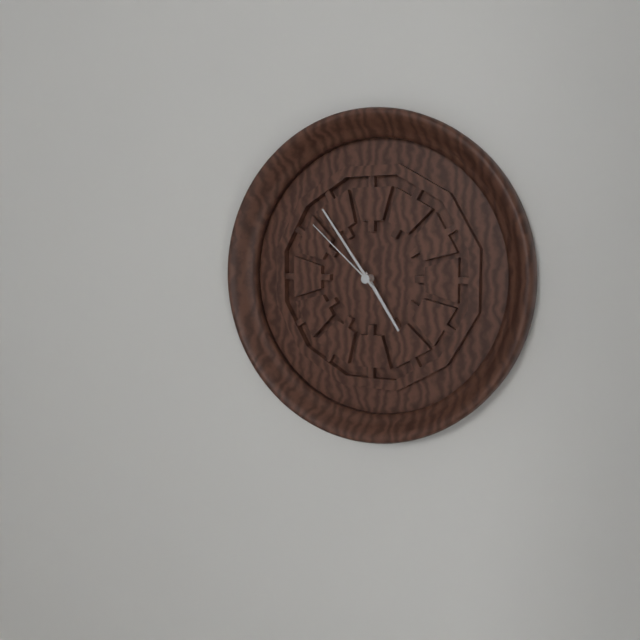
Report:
4:54:52
